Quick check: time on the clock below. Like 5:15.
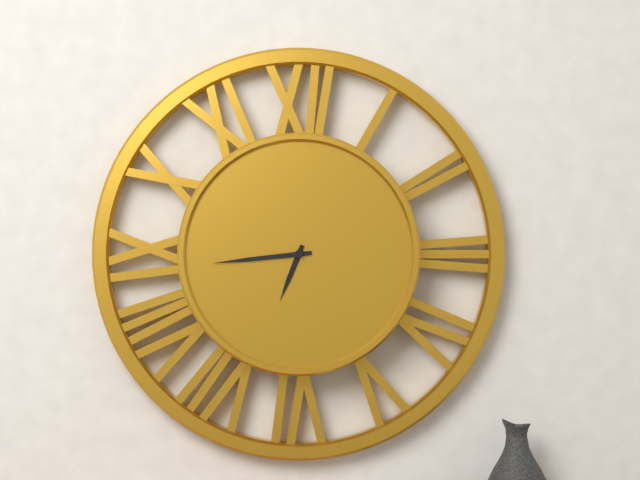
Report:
6:44
